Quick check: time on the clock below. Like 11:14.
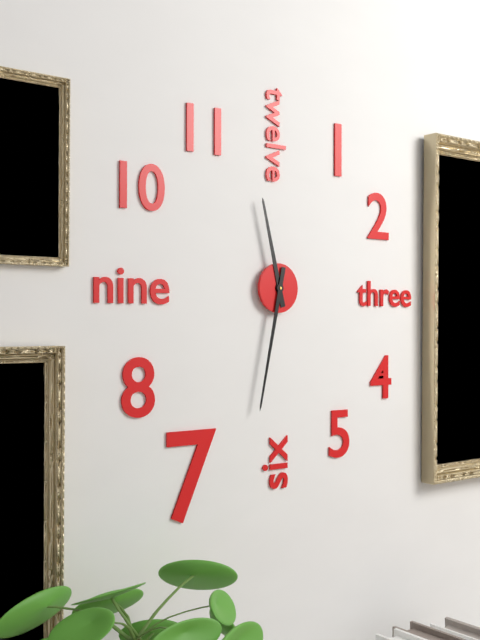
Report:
11:32
